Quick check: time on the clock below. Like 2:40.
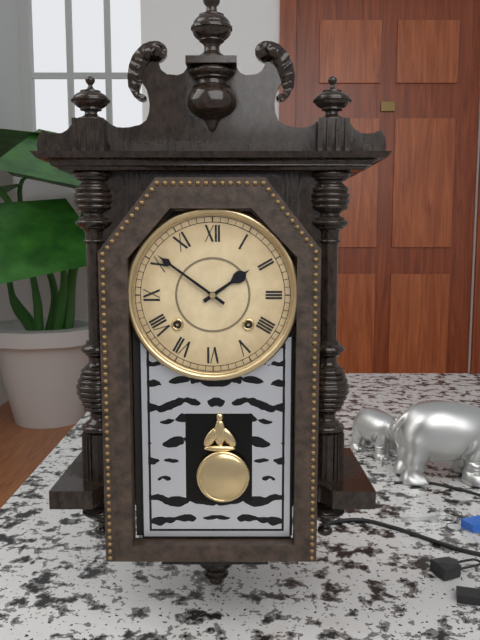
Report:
1:51
